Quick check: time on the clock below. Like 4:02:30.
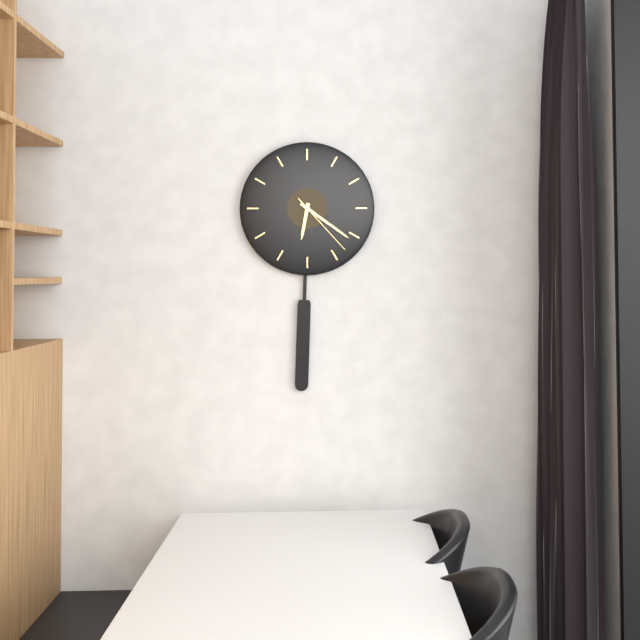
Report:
6:21:23
